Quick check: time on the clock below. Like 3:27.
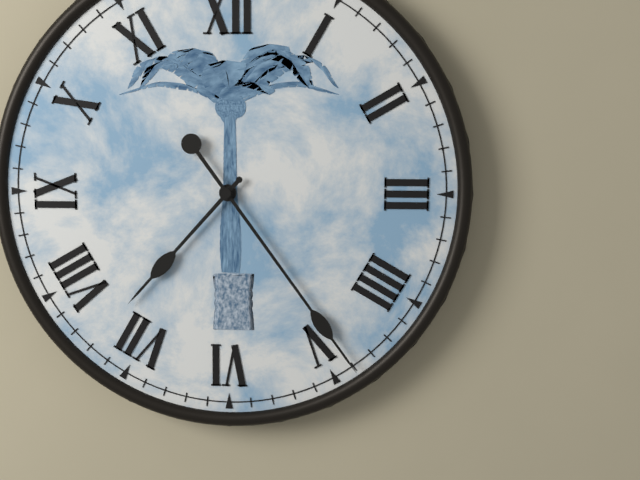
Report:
7:24
